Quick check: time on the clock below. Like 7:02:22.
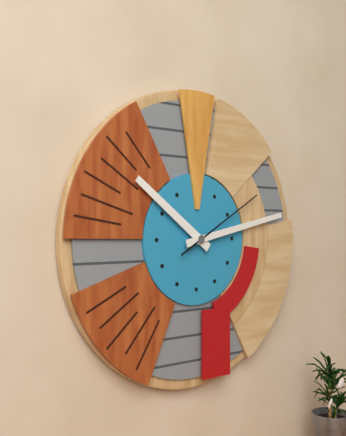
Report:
10:13:10
